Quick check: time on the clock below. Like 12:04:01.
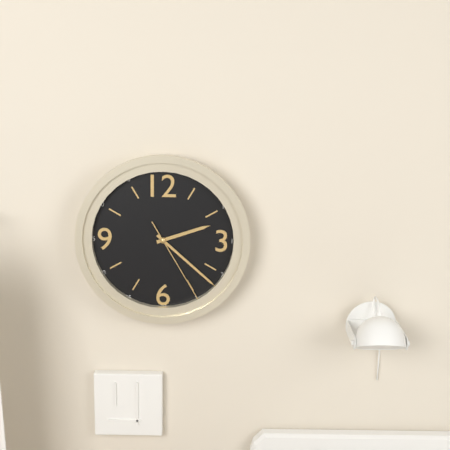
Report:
2:22:25
